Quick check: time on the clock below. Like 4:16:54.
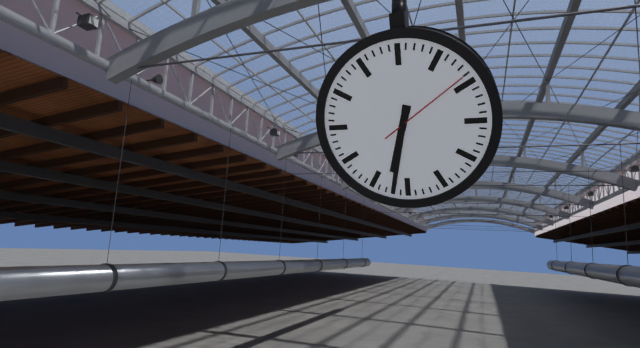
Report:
6:32:09
